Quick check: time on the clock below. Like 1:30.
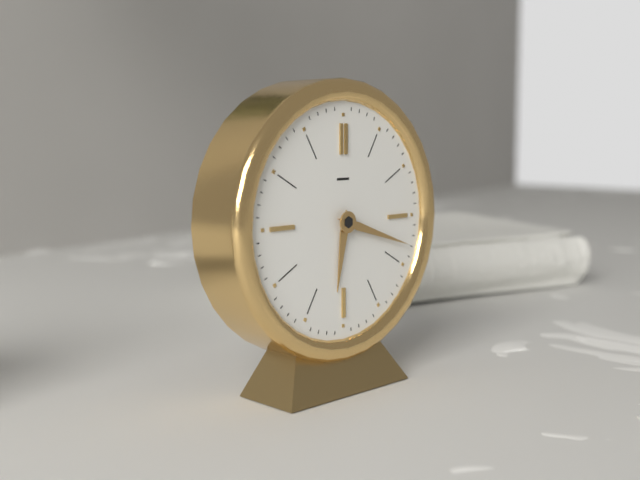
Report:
6:18
